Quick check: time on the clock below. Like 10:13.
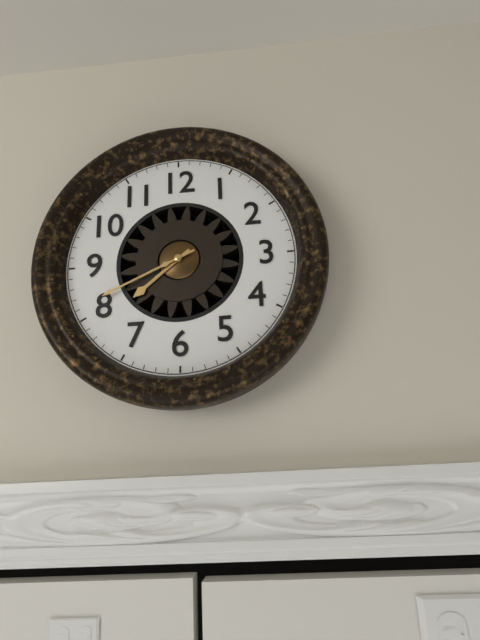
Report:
7:41
